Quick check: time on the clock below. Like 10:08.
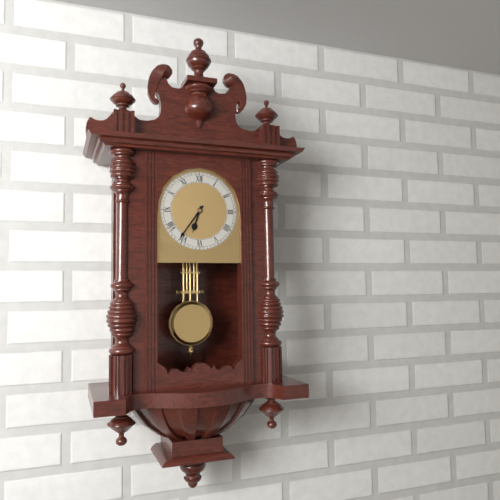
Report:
6:36
